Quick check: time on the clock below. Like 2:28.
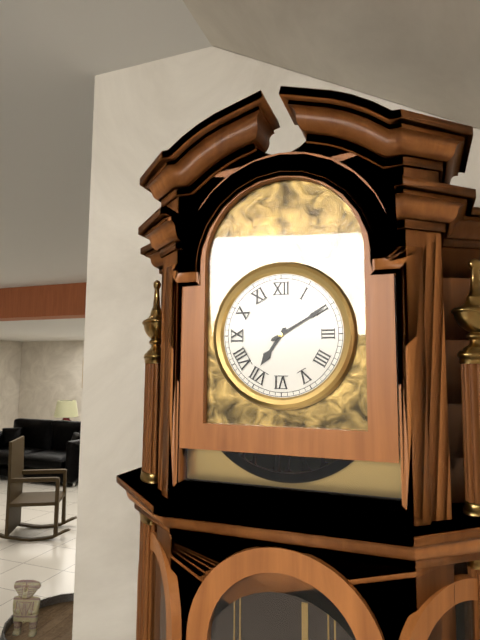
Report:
7:10
